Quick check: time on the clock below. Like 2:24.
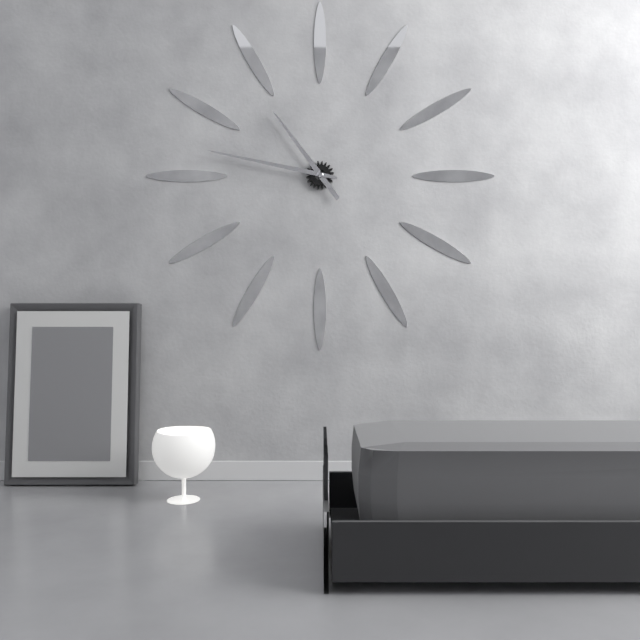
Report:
10:47
